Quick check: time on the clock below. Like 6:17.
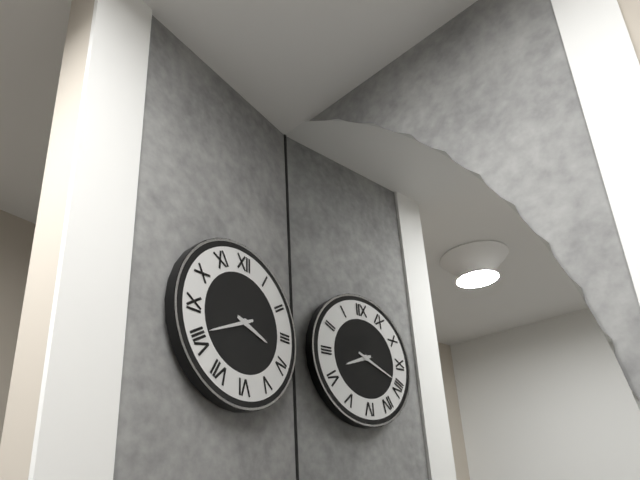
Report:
3:41
